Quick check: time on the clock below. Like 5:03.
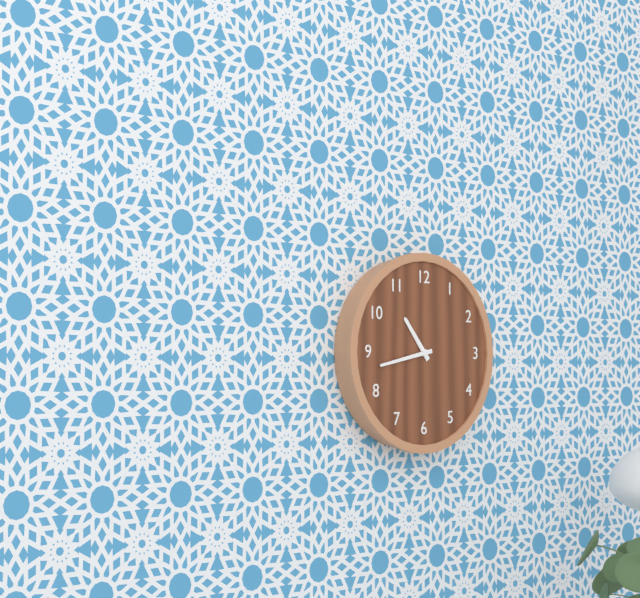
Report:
10:43
